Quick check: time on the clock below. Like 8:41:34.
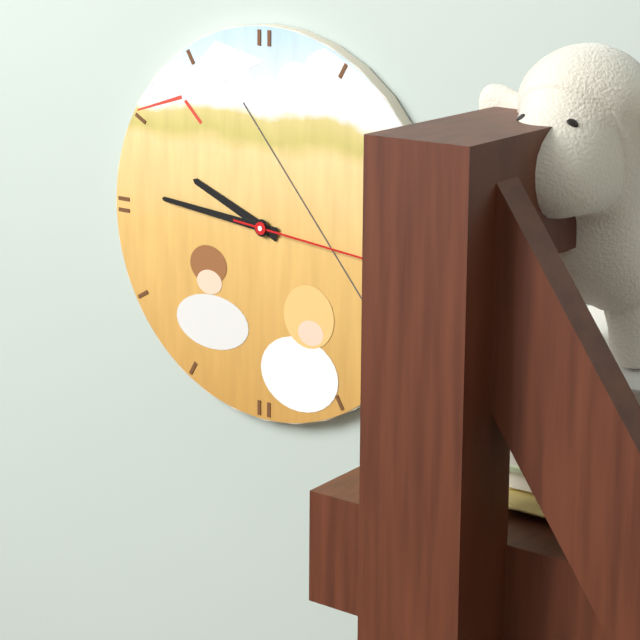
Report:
9:46:16
